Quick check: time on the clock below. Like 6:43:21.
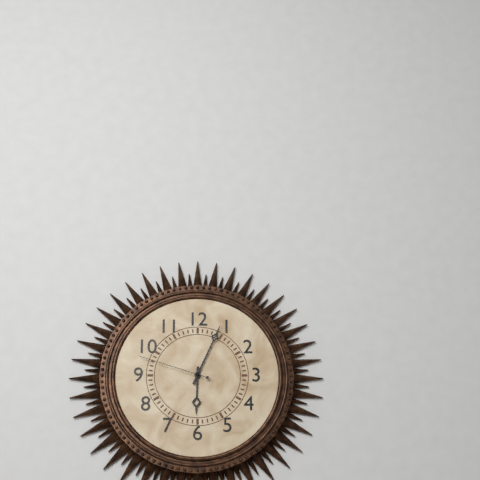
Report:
6:04:48
